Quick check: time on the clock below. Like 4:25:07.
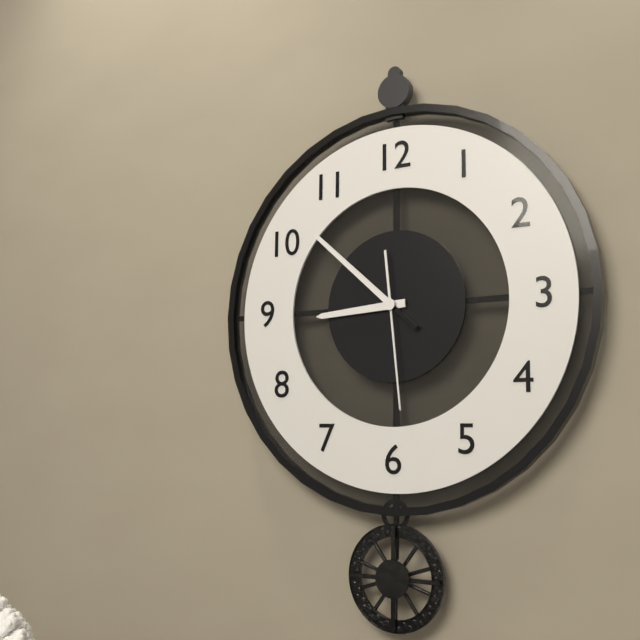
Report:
8:52:29
